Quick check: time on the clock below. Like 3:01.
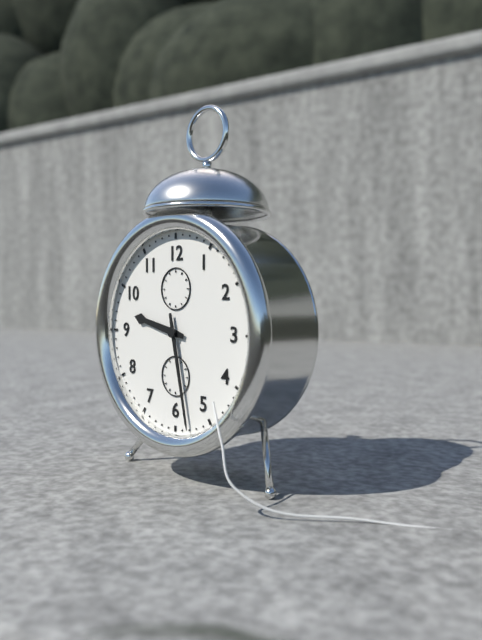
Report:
9:28
